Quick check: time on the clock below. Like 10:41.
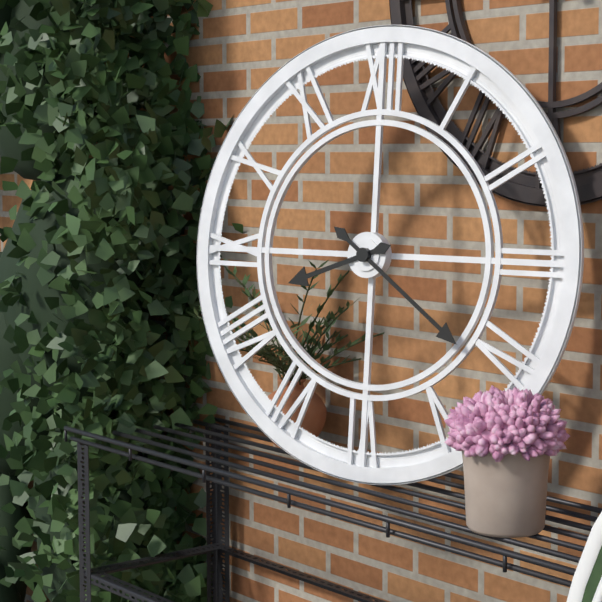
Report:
8:21
